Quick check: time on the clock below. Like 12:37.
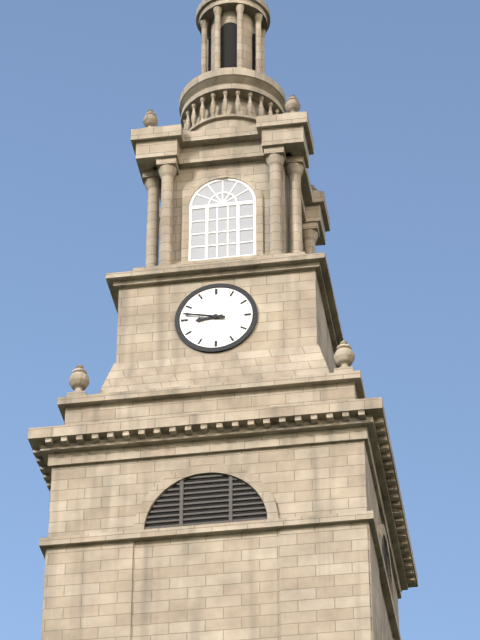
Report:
8:47
